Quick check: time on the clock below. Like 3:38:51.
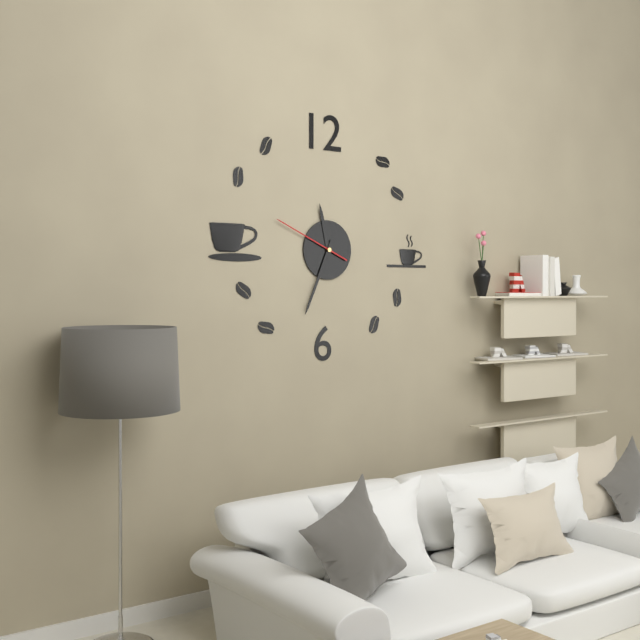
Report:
11:34:49
